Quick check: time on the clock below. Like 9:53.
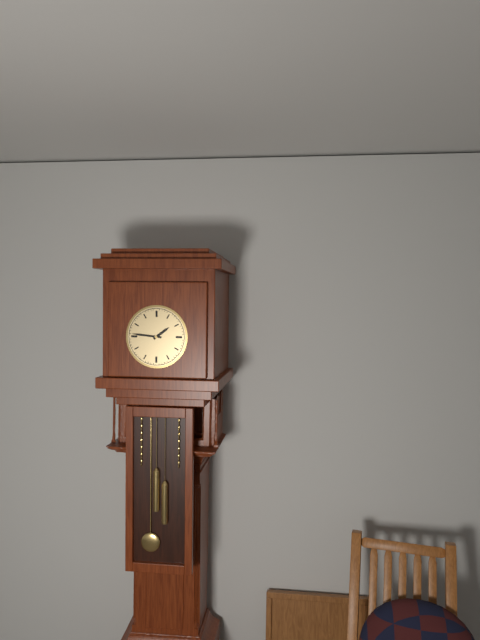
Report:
1:46
